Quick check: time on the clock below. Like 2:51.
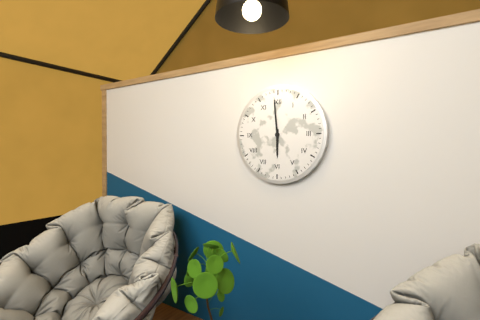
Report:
5:59
